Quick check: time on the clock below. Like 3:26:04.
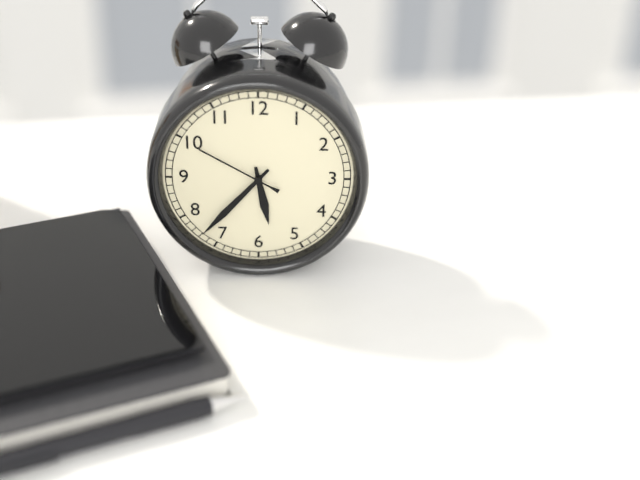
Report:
5:37:50
